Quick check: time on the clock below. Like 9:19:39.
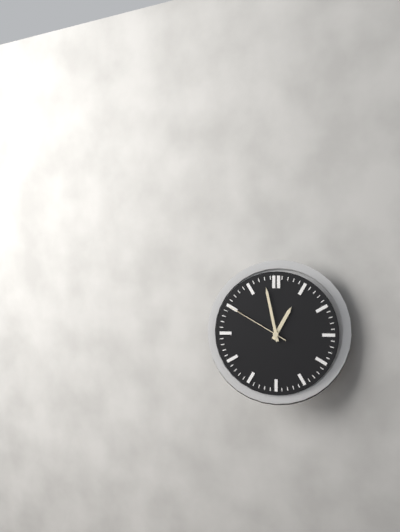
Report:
12:58:50
